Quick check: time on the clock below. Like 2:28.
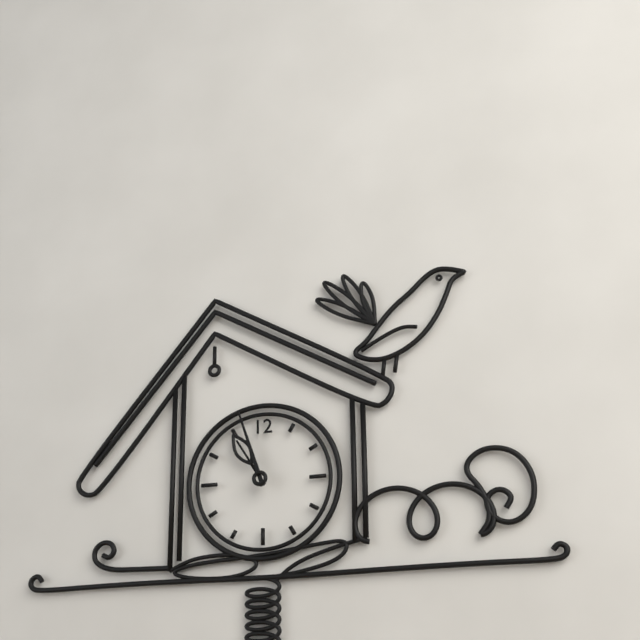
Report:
10:57
